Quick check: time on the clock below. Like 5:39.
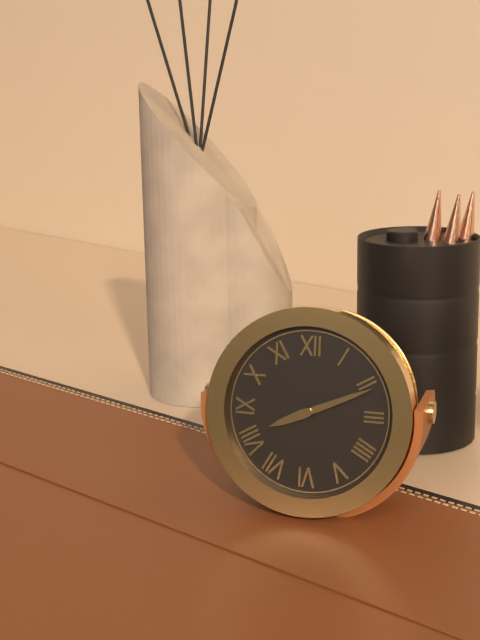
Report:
8:11
